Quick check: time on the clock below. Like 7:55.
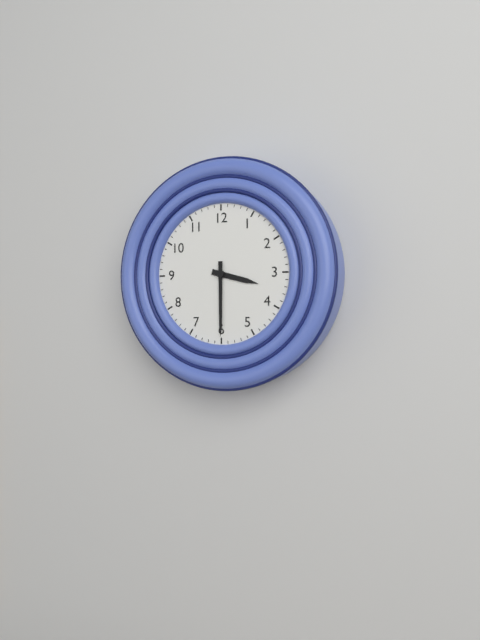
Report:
3:30
